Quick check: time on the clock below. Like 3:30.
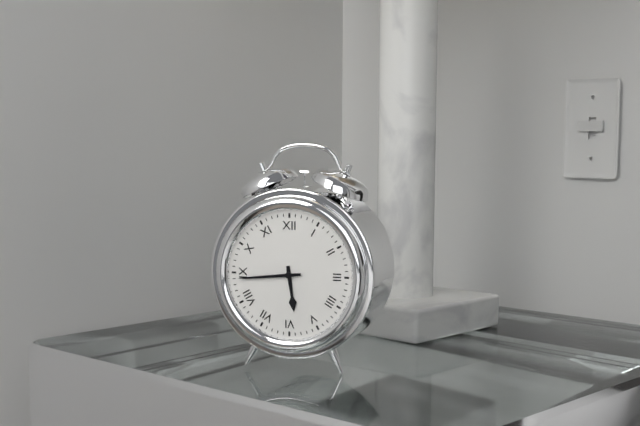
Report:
5:44
